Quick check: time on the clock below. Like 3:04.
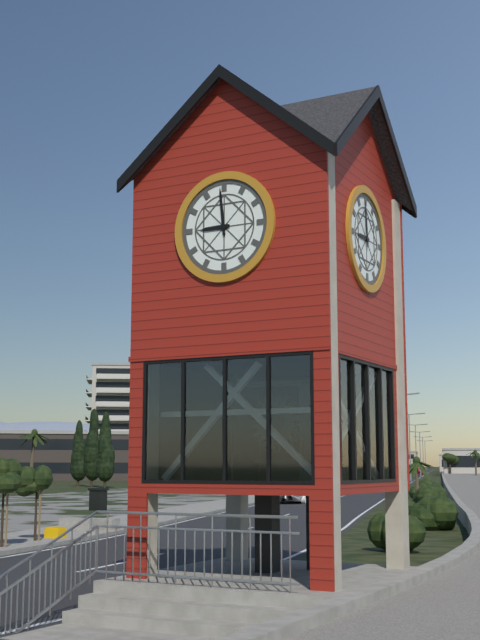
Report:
8:59
